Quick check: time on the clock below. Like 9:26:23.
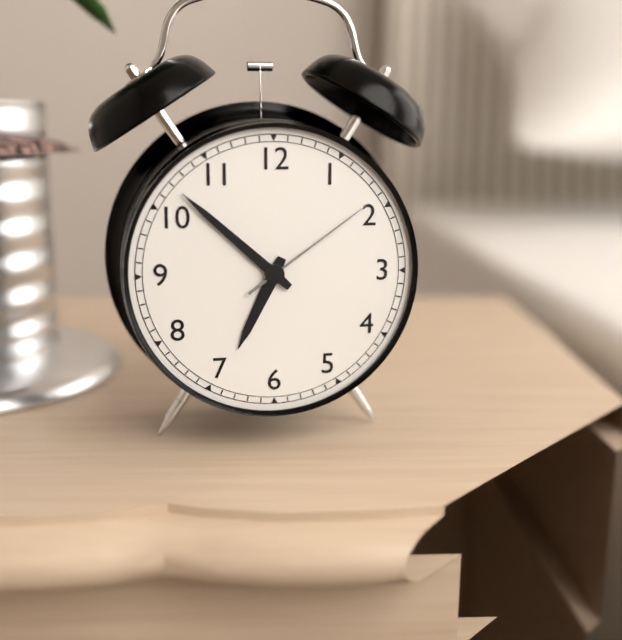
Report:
6:52:09
